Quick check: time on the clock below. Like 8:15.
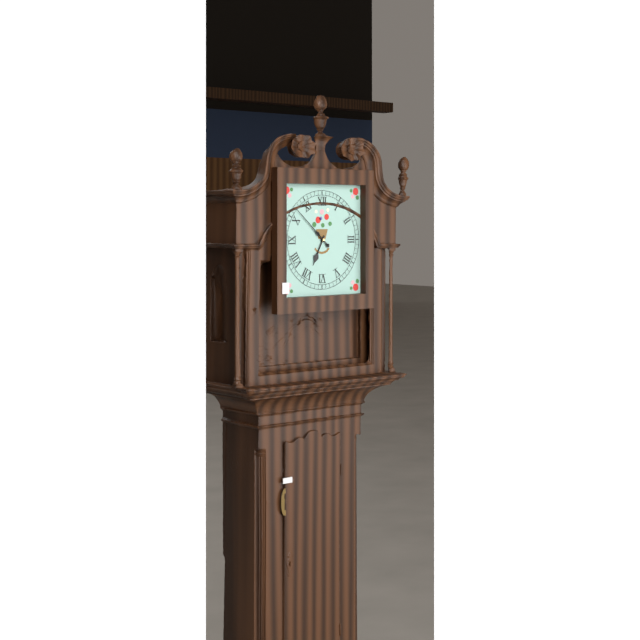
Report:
6:52
